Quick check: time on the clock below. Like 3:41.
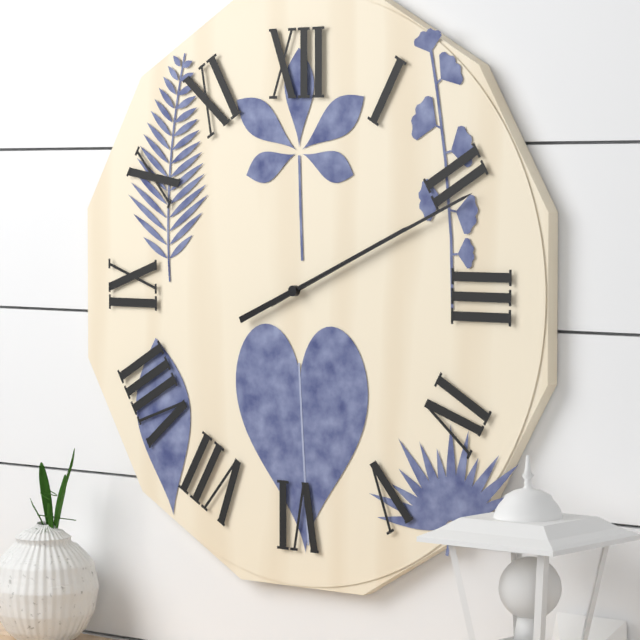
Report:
2:11
